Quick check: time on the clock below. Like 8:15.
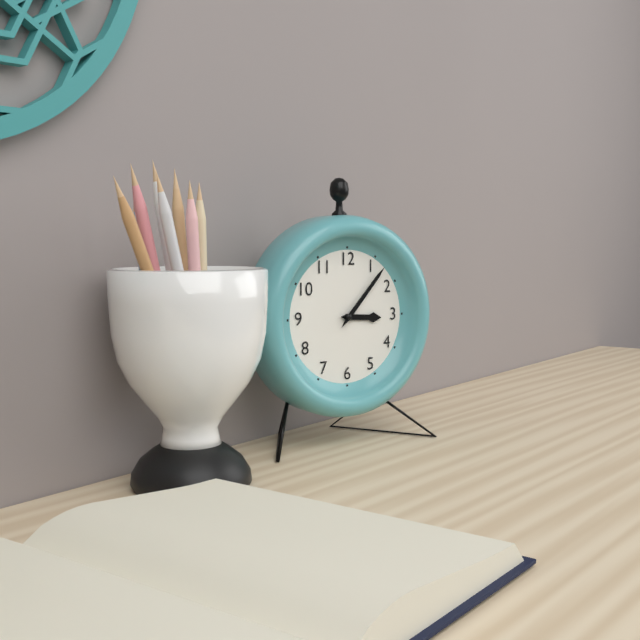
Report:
3:07
